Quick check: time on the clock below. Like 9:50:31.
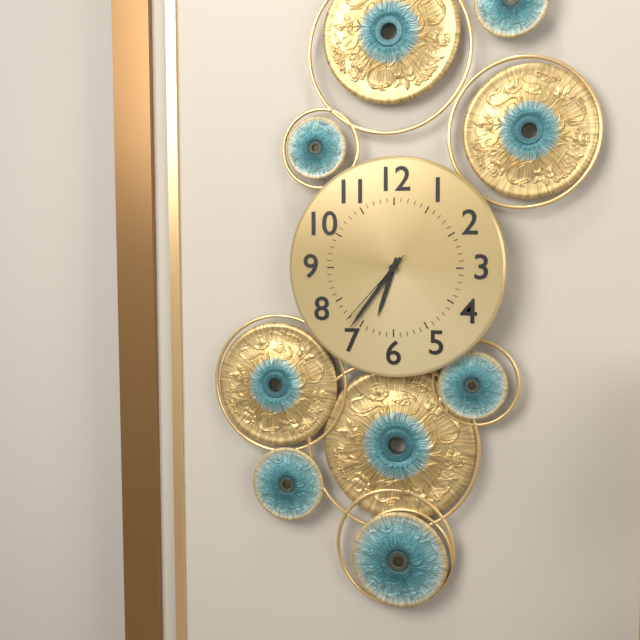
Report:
6:36:37
